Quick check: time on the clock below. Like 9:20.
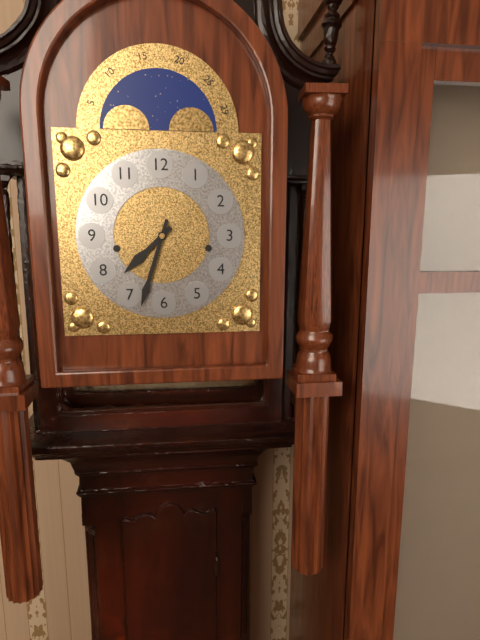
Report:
7:33
